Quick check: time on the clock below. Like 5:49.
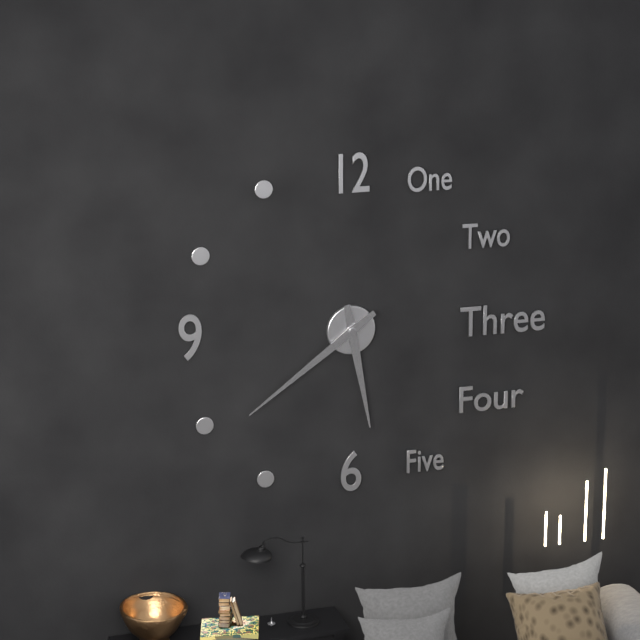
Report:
5:39
